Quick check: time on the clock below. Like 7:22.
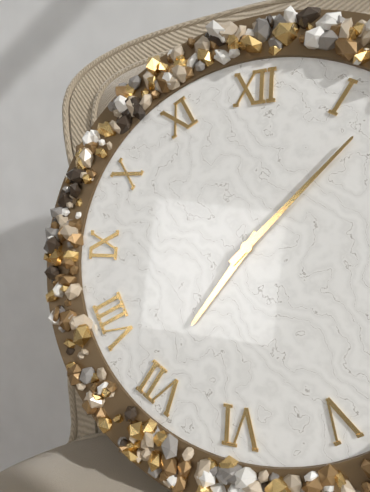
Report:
7:07
